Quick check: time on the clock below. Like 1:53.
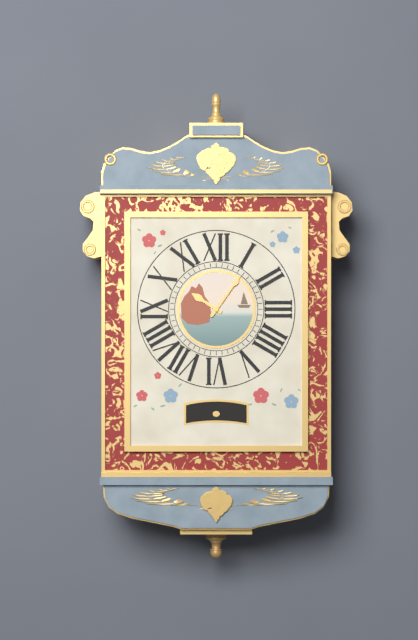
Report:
10:06
